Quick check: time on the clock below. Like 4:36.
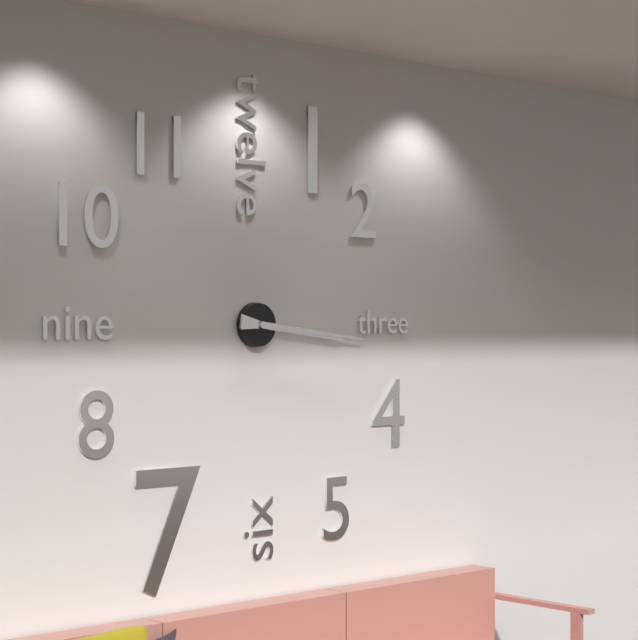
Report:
3:16
